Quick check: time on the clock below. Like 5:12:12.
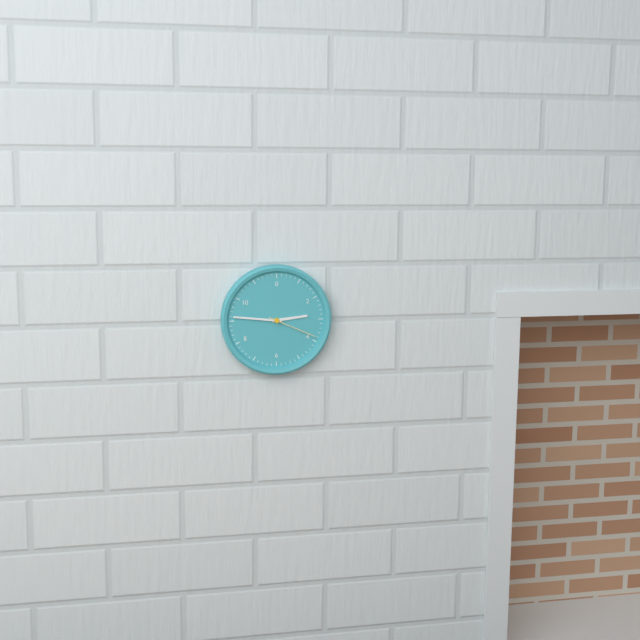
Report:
2:46:19
